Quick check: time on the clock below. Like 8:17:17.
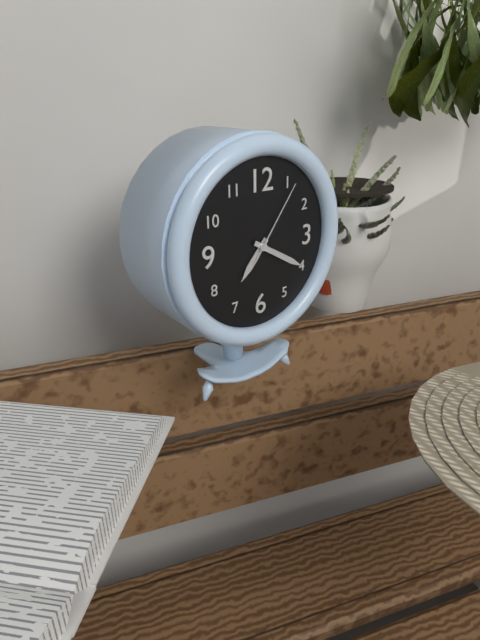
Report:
7:20:06
